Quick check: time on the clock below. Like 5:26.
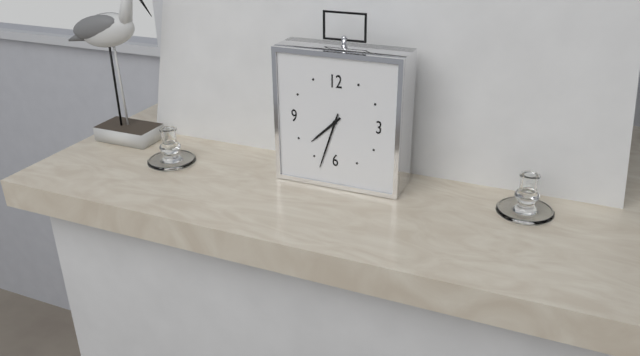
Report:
7:33
